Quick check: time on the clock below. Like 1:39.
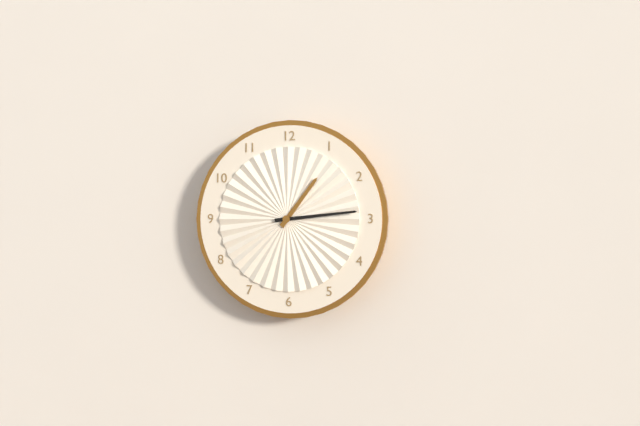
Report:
1:14
